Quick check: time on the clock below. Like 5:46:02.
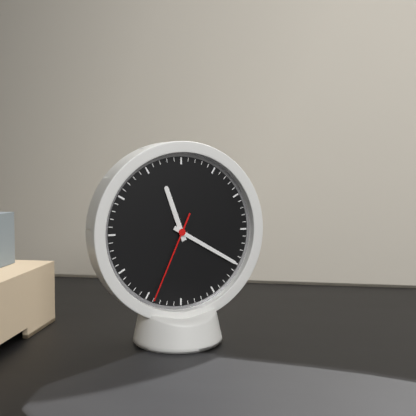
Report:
11:20:34
